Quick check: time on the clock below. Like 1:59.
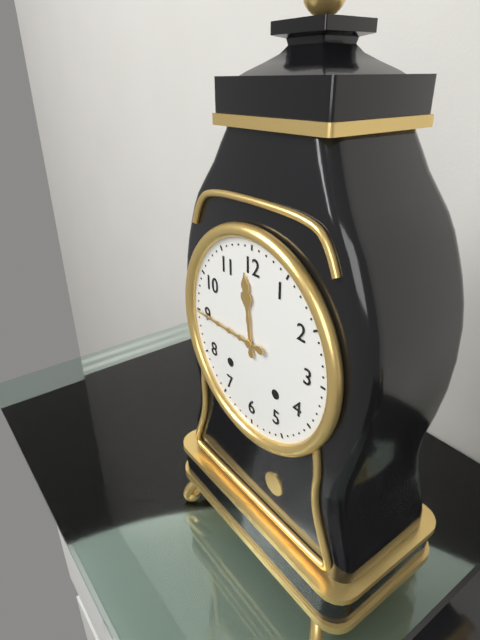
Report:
11:45
